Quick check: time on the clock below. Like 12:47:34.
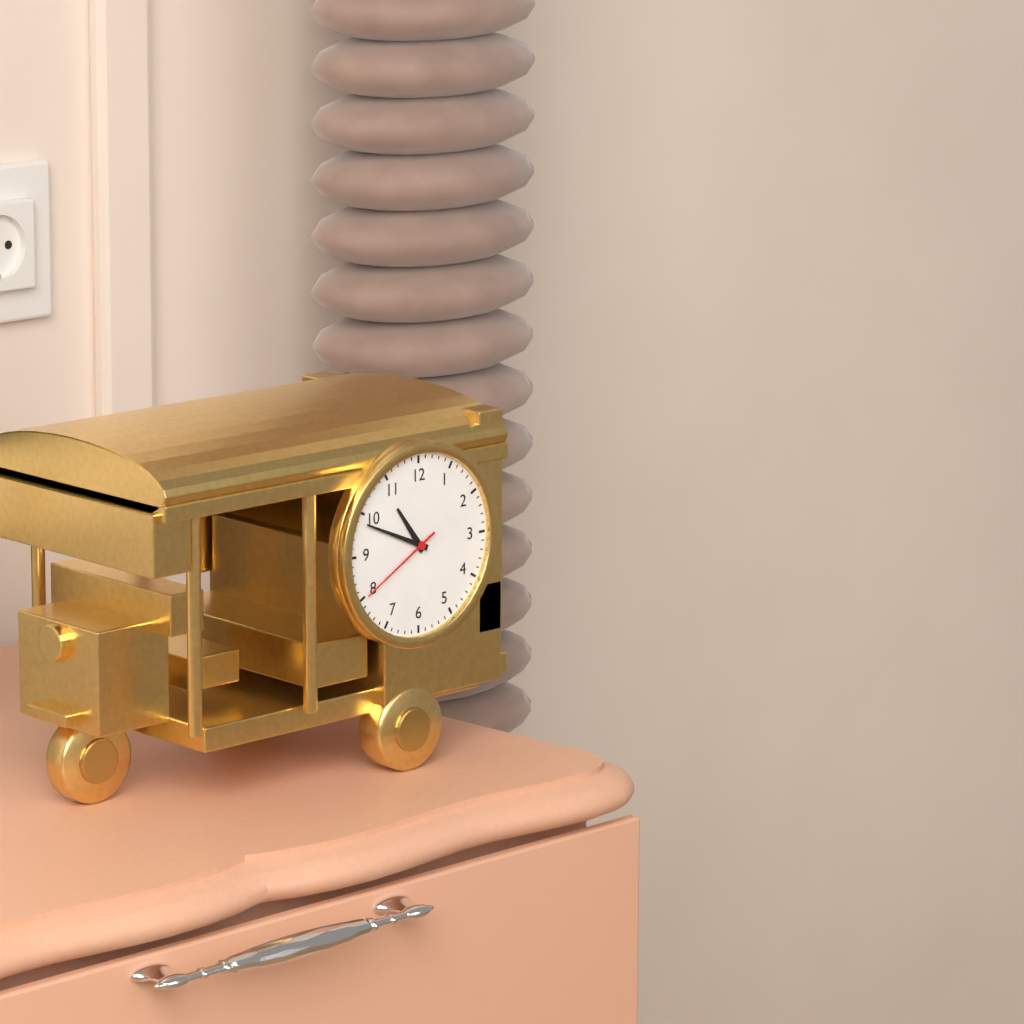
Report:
10:49:40
